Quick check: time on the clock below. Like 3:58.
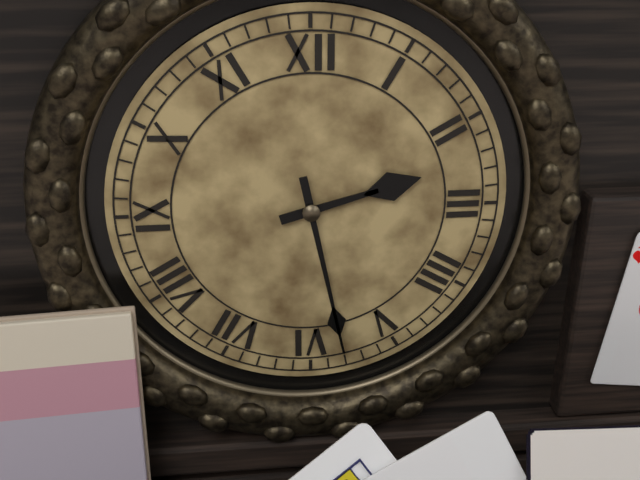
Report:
2:28
